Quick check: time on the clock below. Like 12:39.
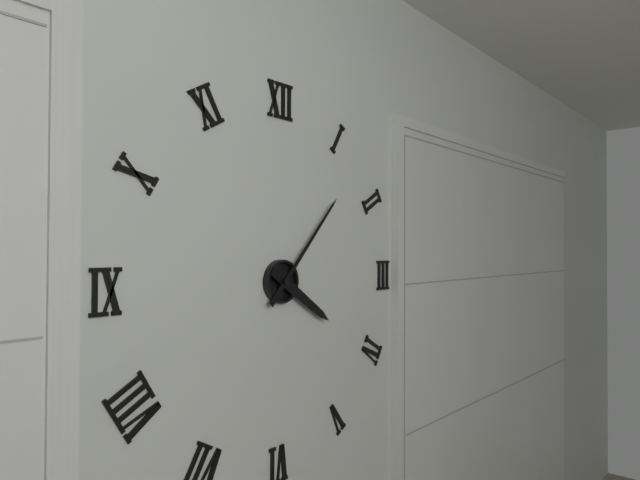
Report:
4:07
